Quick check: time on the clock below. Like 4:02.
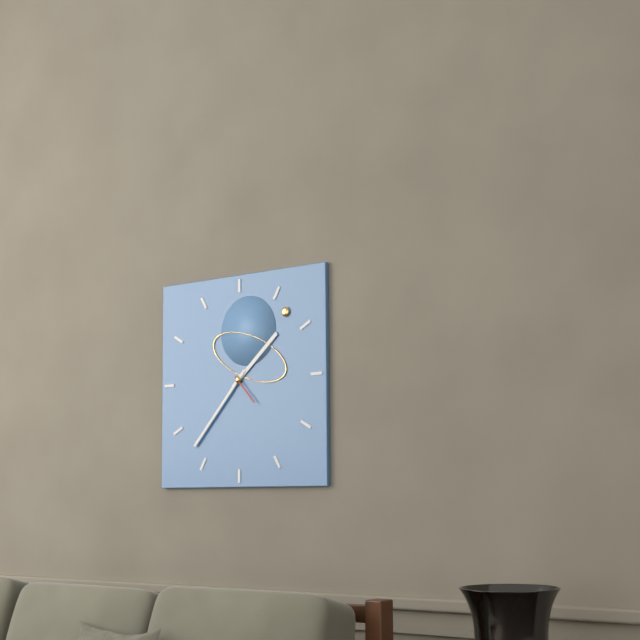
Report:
1:37
